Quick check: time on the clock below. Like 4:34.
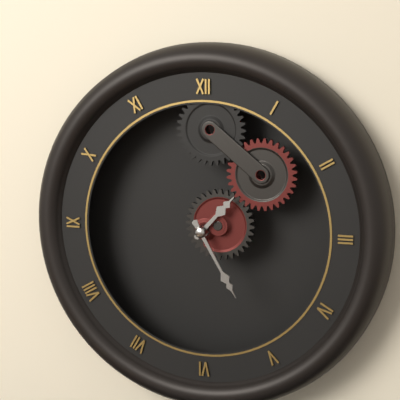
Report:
1:25
